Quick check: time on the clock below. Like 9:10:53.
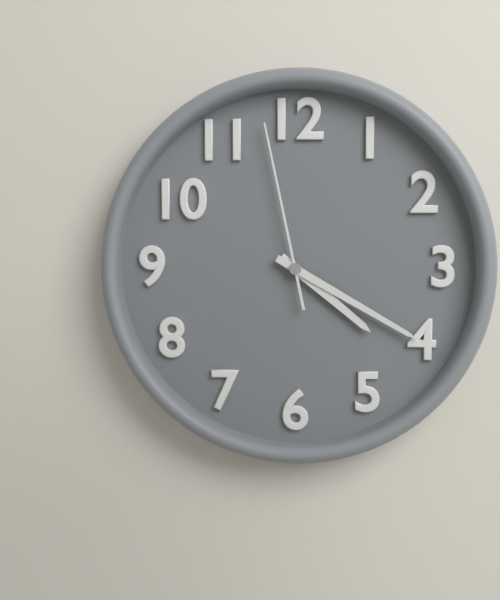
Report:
4:20:58
